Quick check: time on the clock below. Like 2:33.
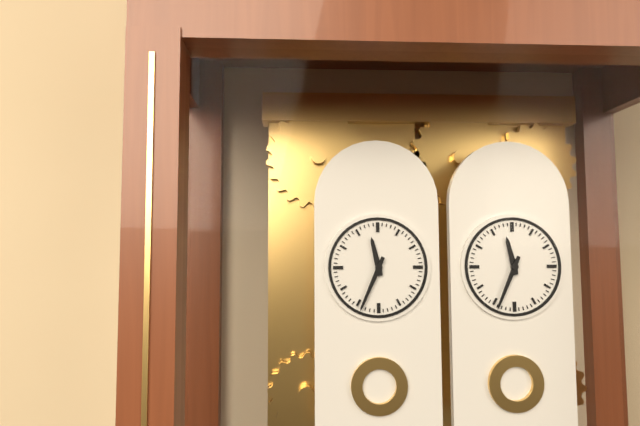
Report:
11:34
